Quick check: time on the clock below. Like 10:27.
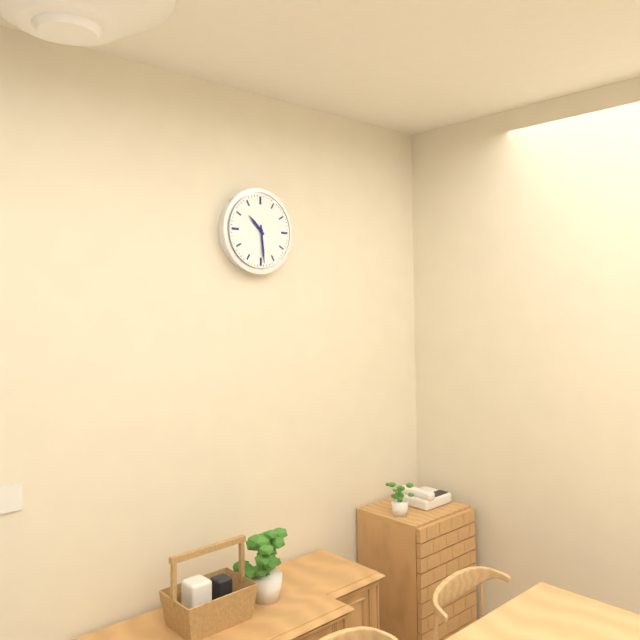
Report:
10:29
